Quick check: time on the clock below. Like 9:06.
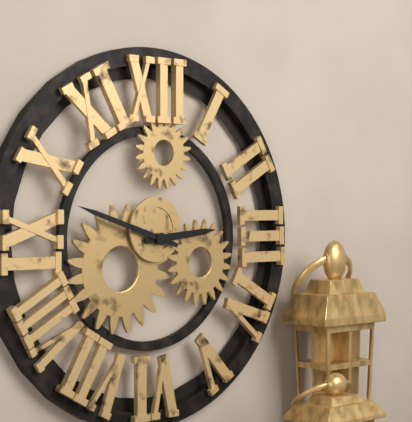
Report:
2:48
